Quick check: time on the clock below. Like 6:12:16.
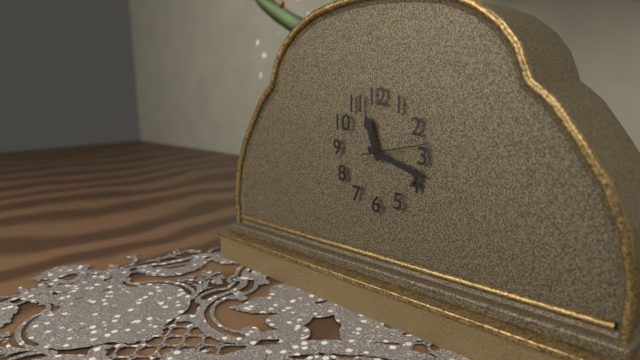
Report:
11:18:13
